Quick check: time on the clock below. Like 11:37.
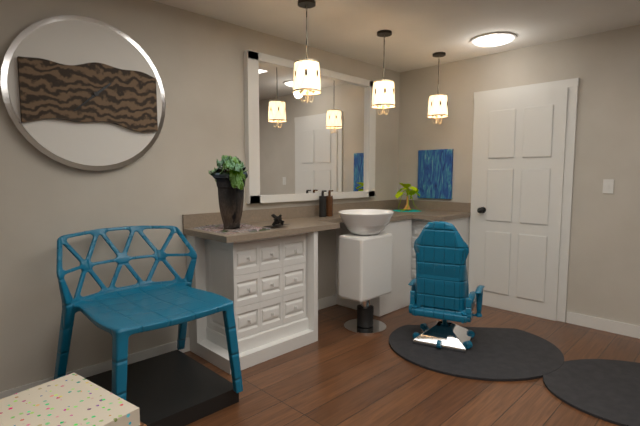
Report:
1:38
